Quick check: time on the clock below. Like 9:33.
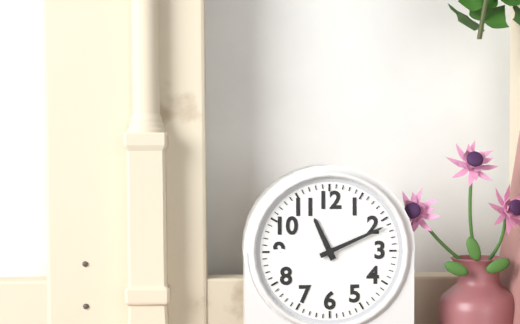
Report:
11:11
